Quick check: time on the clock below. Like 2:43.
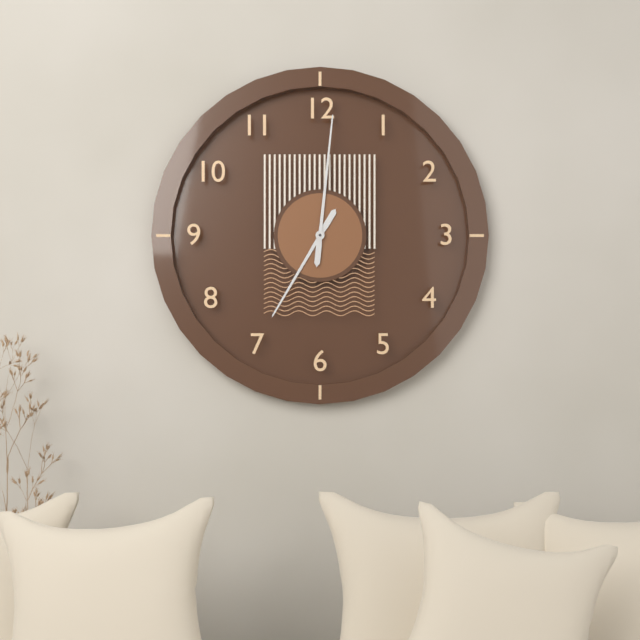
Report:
7:01
